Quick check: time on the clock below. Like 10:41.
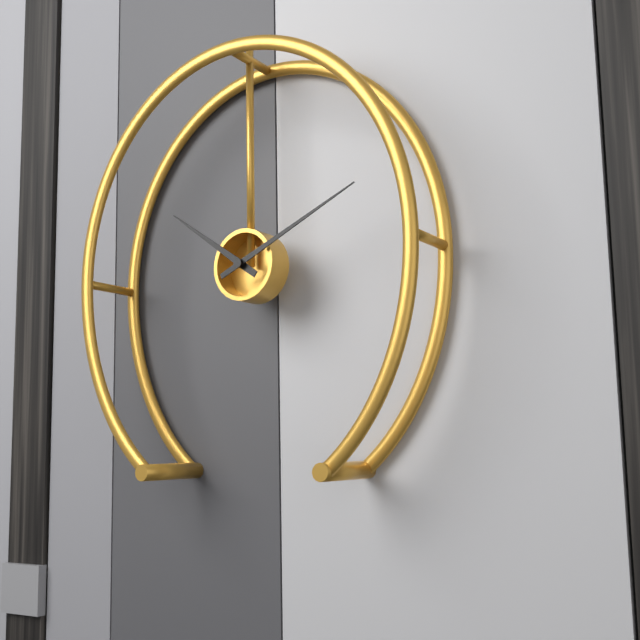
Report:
10:11
